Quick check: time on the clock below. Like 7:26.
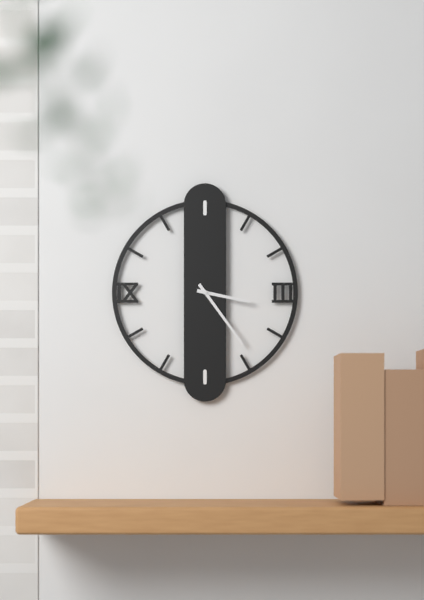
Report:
3:24
